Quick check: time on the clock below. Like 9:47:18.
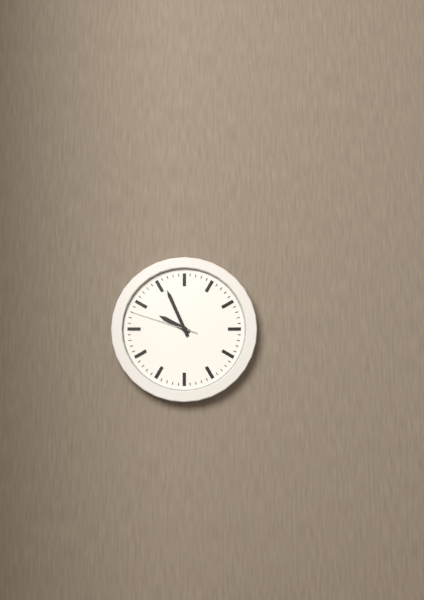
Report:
9:56:48
